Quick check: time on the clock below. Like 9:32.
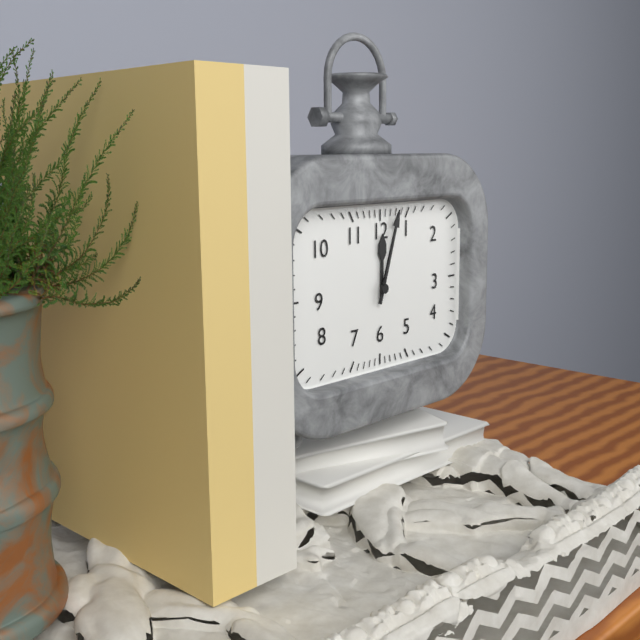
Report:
12:03
